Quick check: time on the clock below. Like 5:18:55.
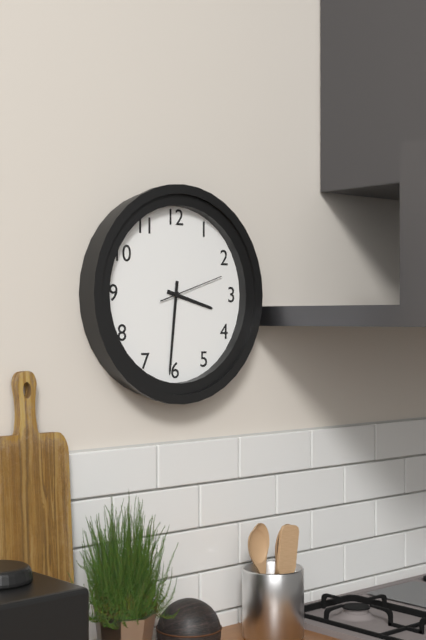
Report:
3:31:12
